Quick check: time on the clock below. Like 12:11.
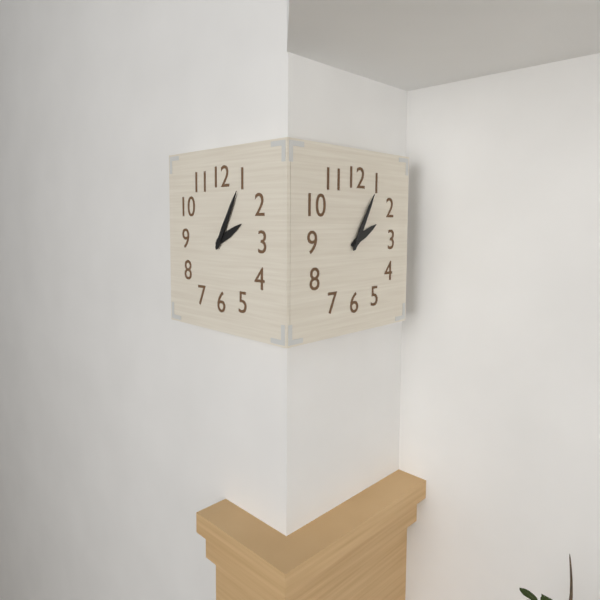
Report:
2:05
